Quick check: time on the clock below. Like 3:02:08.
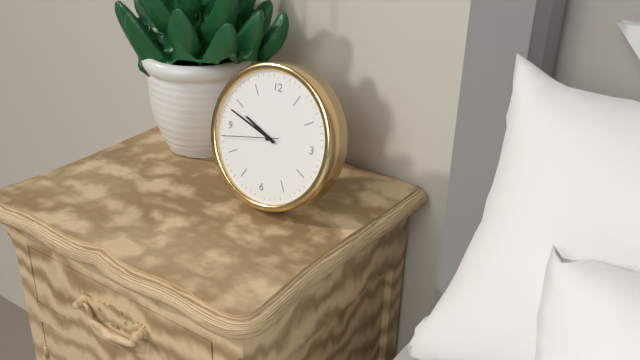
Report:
9:48:43
